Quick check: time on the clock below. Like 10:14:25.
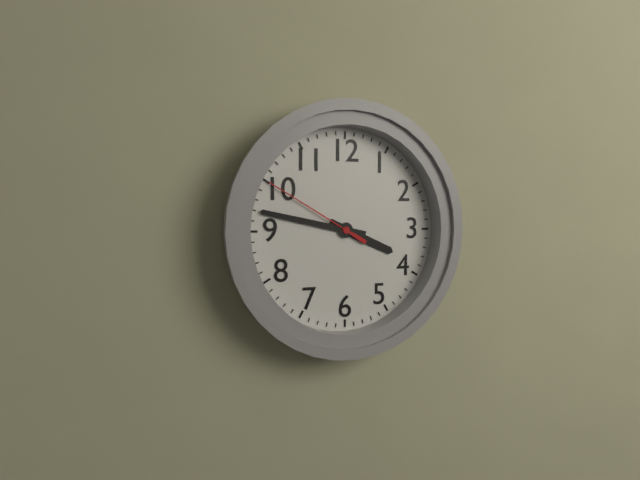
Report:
3:47:50
